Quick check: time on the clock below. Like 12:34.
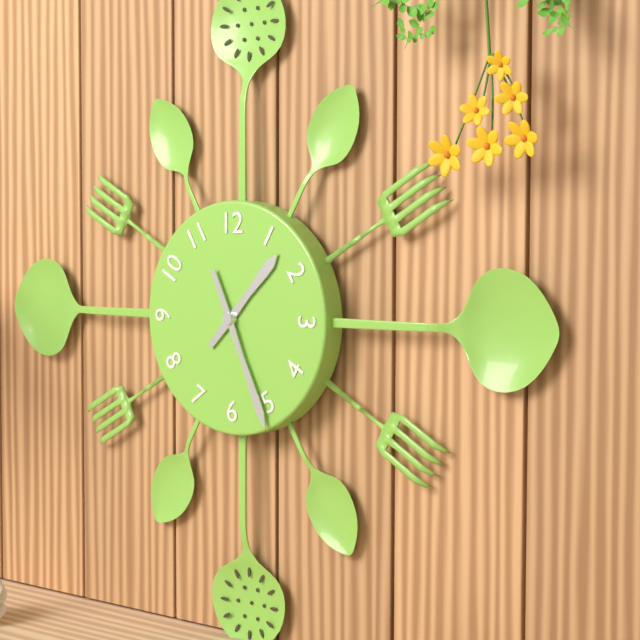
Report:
1:26
